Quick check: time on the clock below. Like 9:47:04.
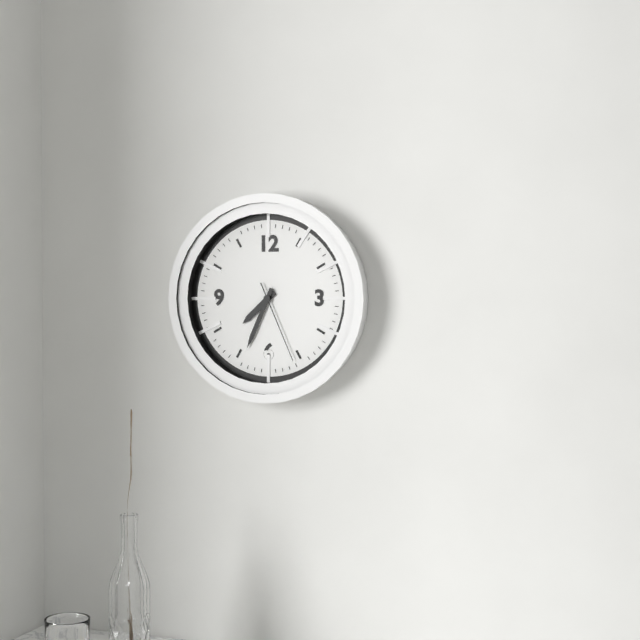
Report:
7:34:26
